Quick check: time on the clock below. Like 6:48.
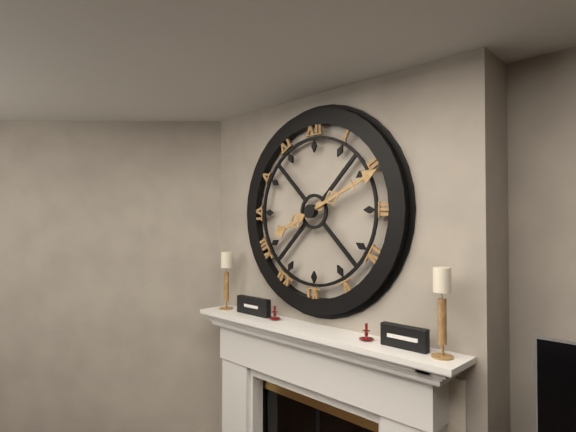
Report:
8:11
